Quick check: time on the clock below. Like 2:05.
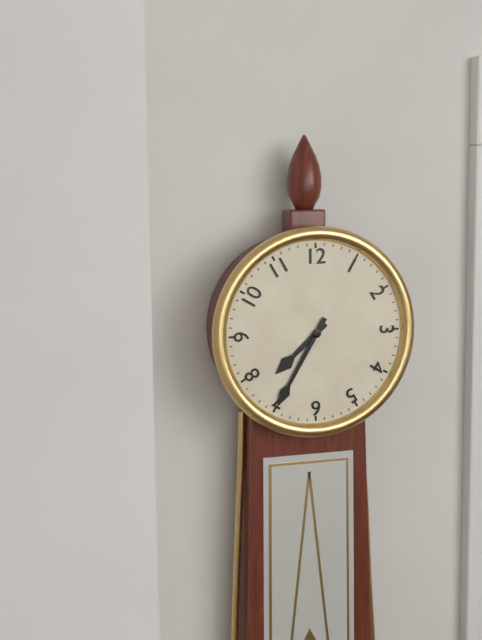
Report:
7:35
